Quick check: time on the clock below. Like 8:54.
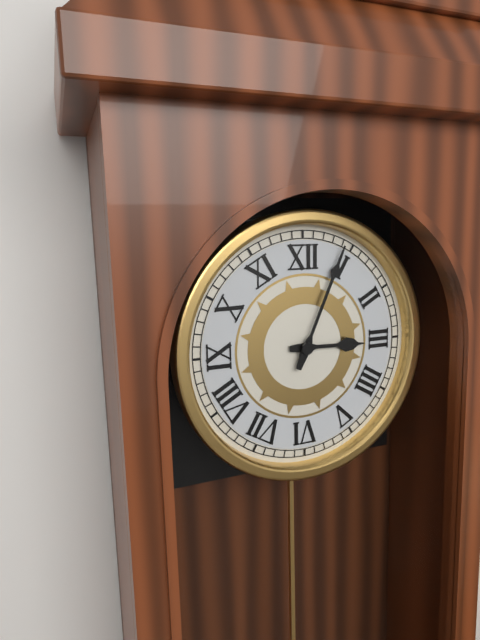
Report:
3:04
